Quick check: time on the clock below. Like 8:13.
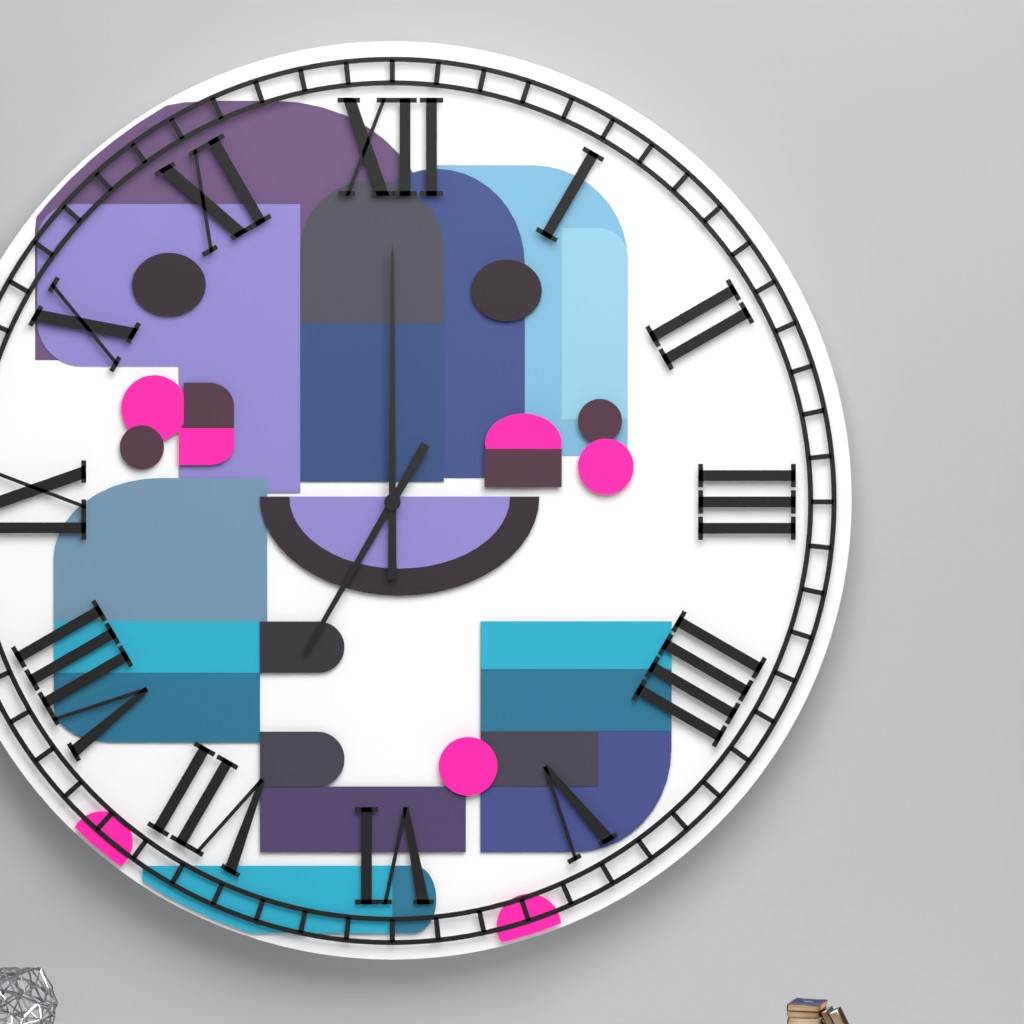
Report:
7:00
